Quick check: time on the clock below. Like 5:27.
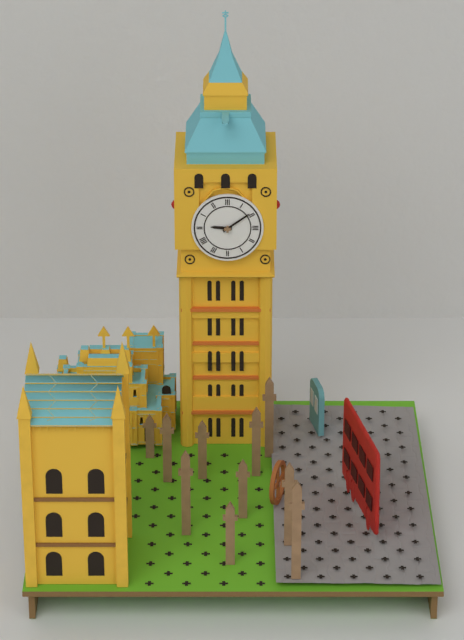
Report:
9:09
